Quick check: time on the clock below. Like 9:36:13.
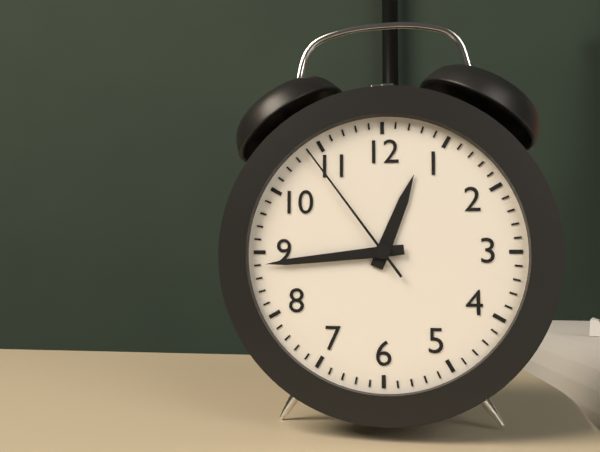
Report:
12:44:54
